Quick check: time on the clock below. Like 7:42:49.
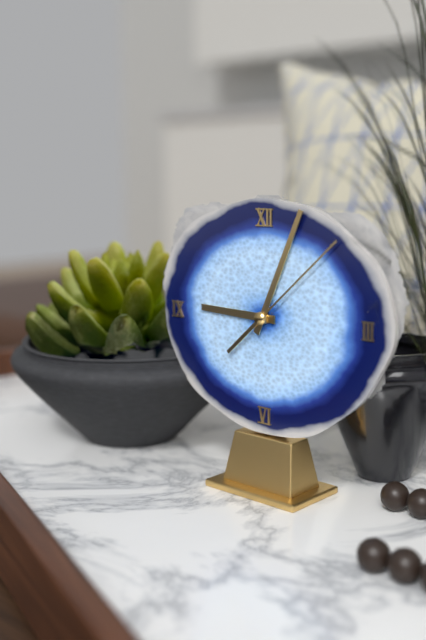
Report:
9:04:08
